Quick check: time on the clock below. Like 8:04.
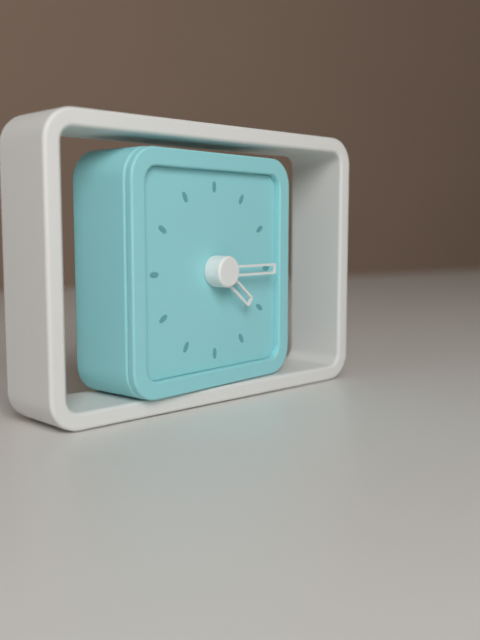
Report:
4:15
